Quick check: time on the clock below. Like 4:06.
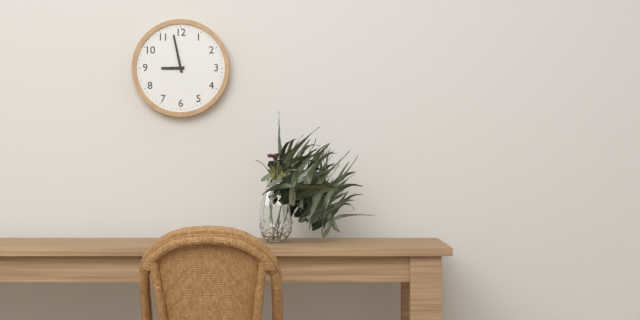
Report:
8:58
